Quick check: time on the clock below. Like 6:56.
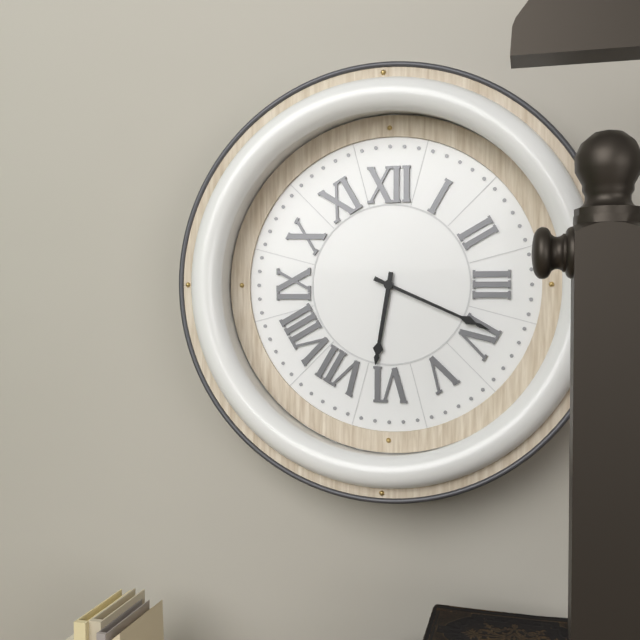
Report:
6:19
